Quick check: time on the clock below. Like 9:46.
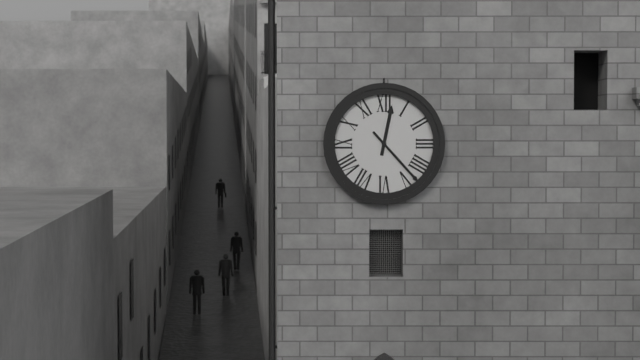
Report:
12:23
